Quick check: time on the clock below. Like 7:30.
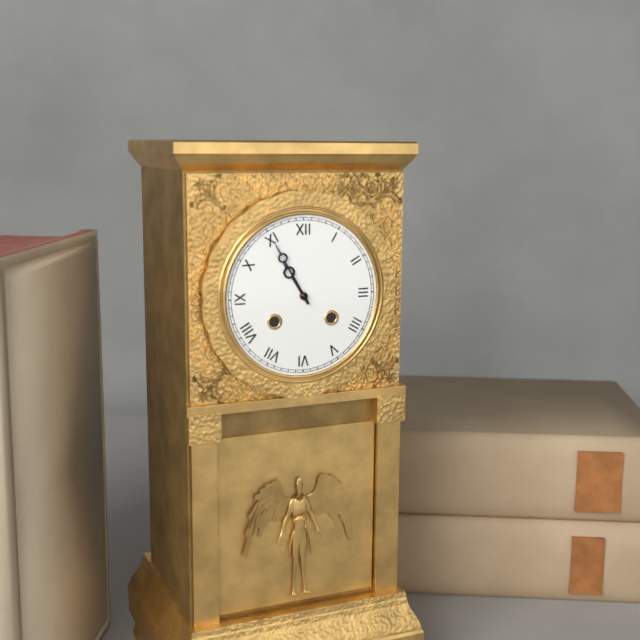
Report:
10:55
